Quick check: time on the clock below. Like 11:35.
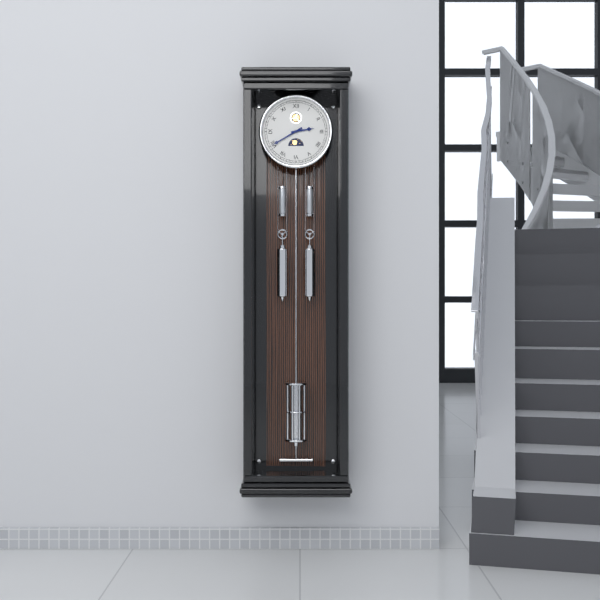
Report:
2:40
